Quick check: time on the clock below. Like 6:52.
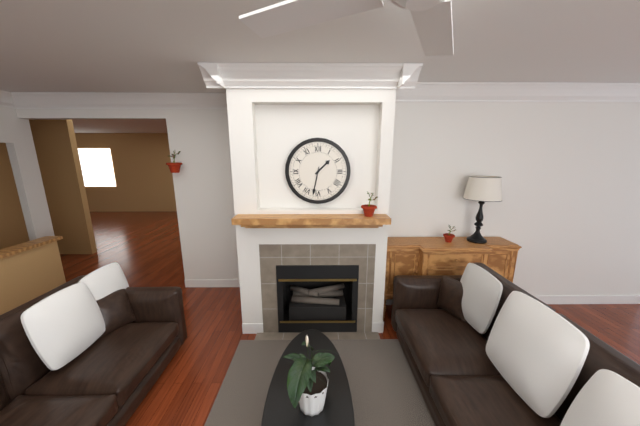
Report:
1:32
